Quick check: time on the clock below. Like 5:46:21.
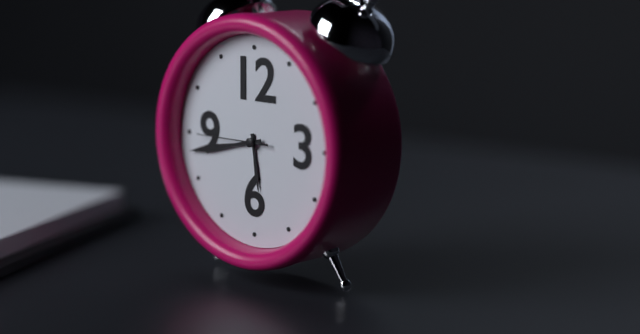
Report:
5:43:45
